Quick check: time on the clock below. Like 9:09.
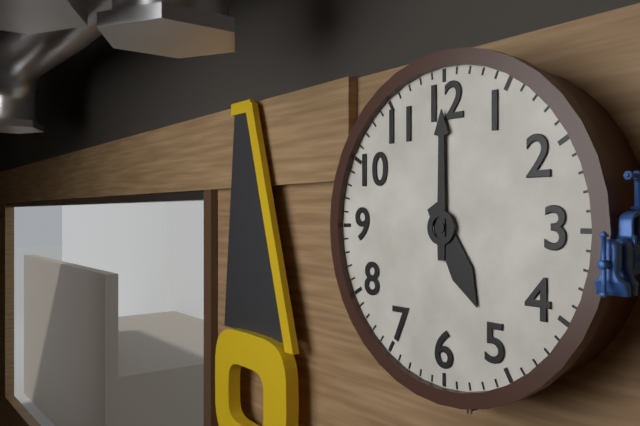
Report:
5:00
